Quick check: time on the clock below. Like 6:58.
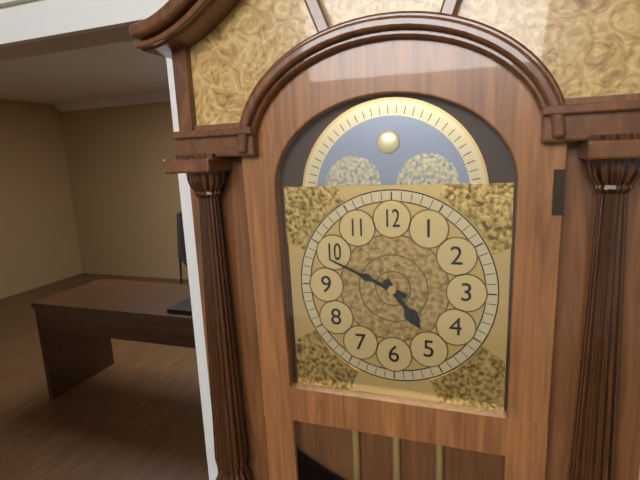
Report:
4:49
